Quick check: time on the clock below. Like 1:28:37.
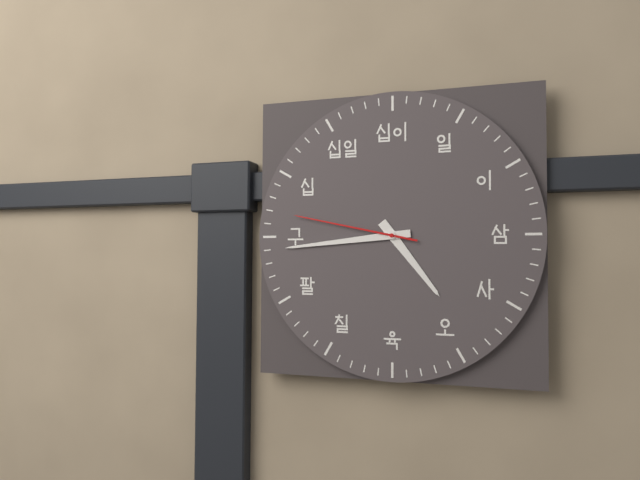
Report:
4:44:47
